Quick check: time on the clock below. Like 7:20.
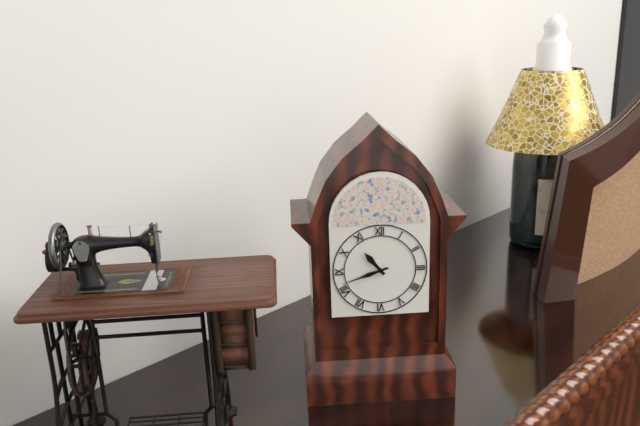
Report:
10:42
